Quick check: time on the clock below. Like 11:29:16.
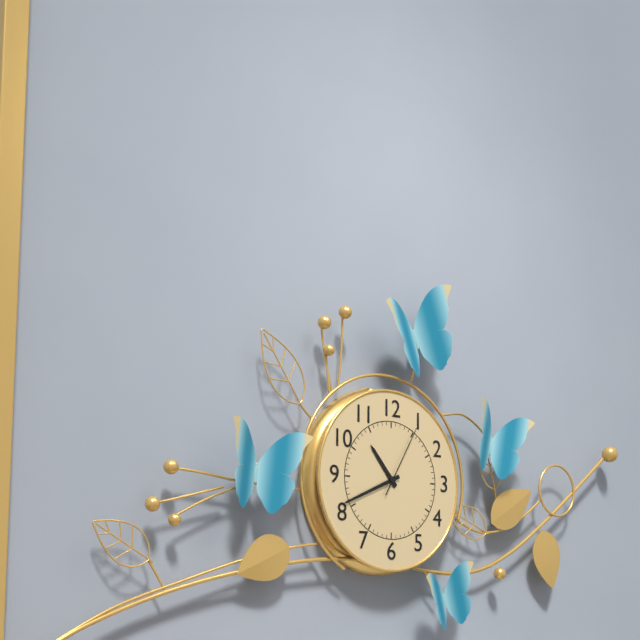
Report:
10:41:05
